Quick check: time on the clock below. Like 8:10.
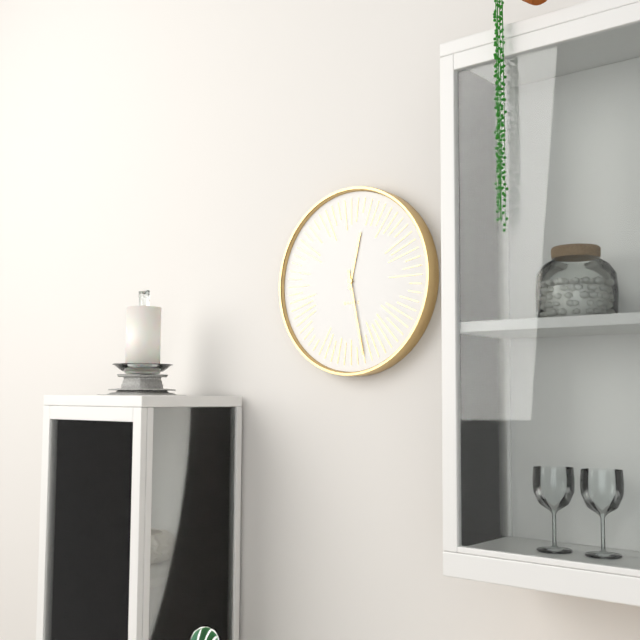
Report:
12:28
